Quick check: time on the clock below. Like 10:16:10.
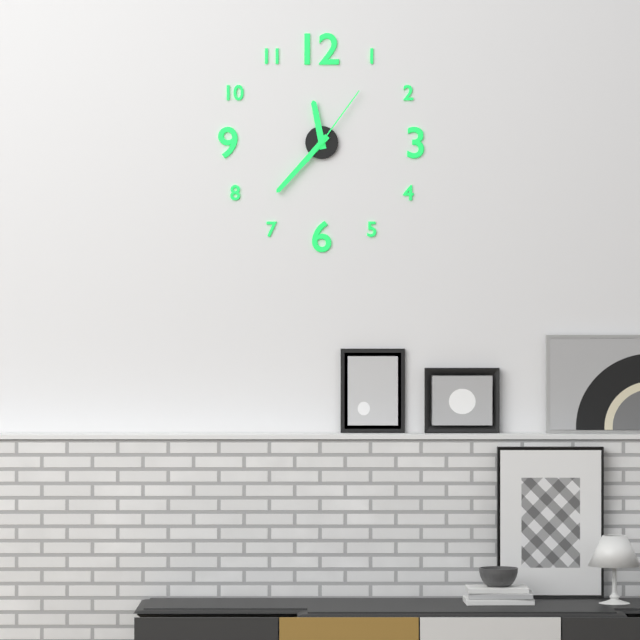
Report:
11:37:06
